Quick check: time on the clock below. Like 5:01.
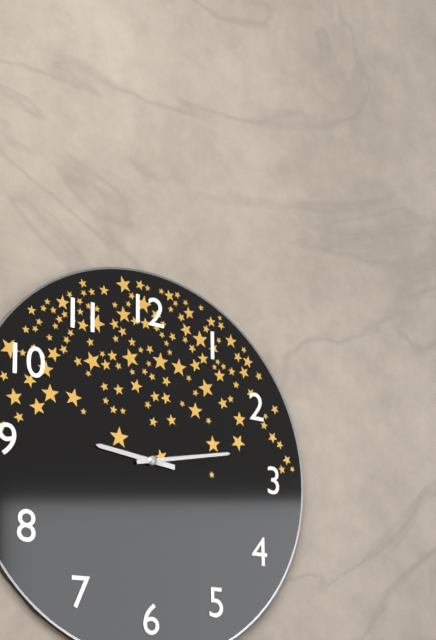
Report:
9:13
